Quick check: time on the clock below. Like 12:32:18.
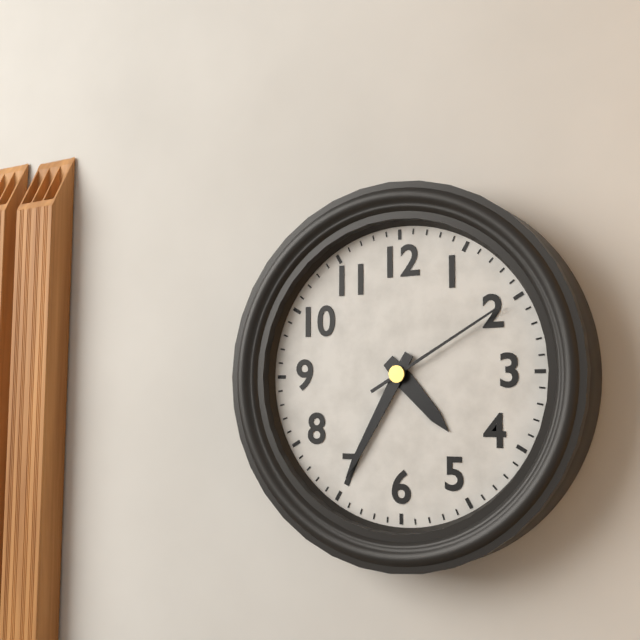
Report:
4:35:10
